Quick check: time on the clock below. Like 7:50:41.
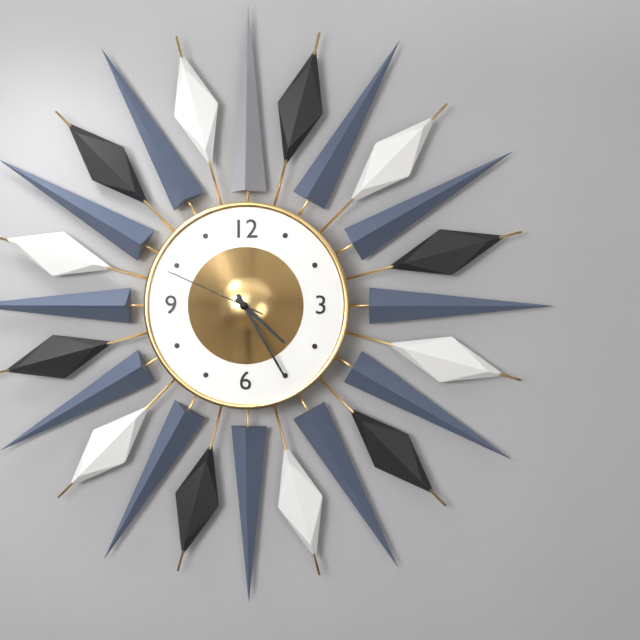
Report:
4:25:49
